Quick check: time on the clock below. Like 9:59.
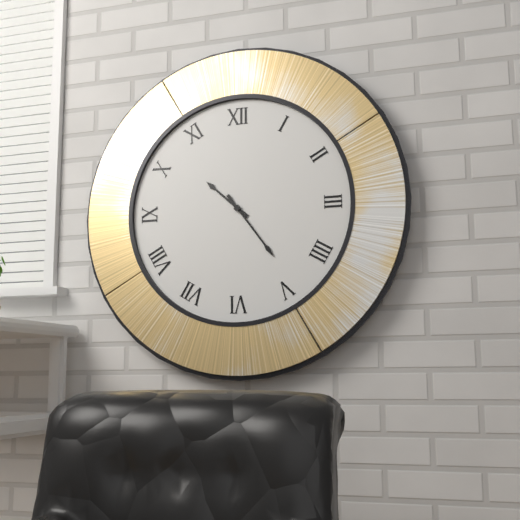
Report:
10:24
